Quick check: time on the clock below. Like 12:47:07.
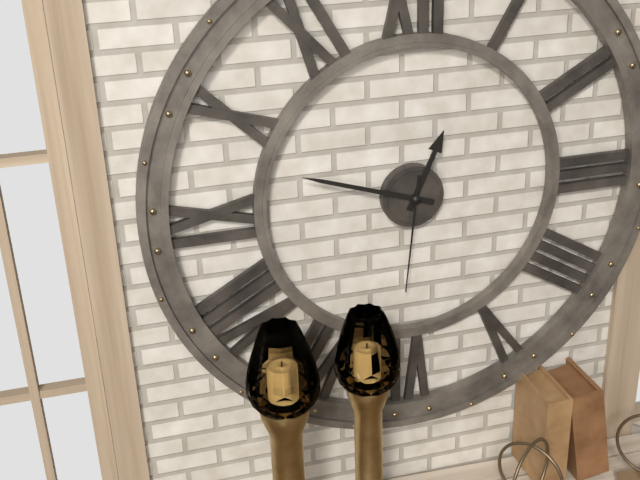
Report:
12:48:31
